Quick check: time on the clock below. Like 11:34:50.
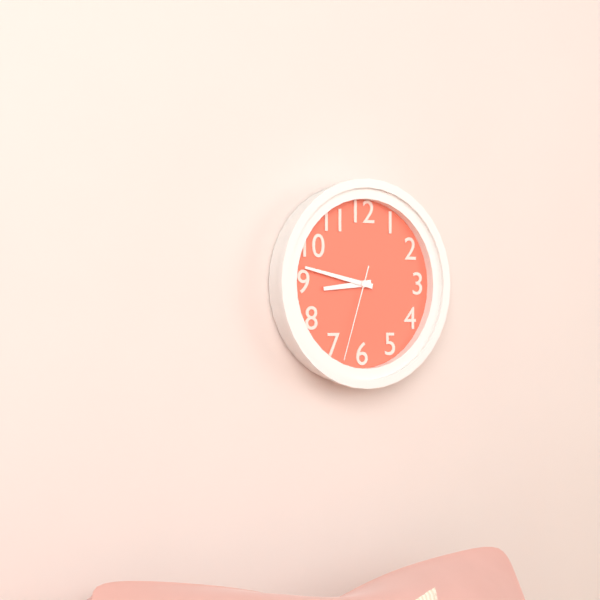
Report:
8:47:33
